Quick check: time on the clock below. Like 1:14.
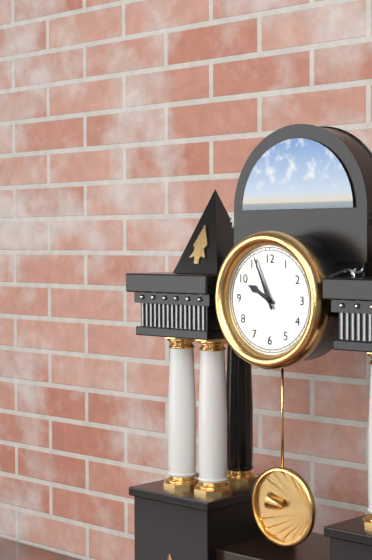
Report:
9:56
